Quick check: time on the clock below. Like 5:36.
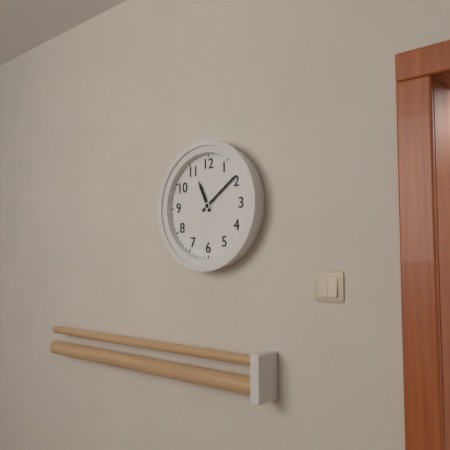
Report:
11:09
